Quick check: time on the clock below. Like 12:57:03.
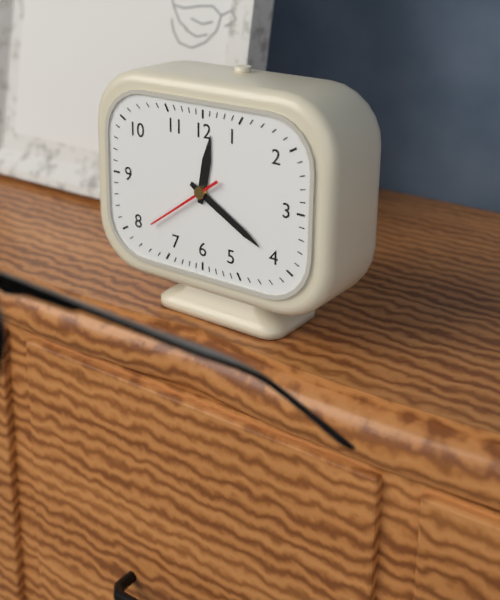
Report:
12:20:39
